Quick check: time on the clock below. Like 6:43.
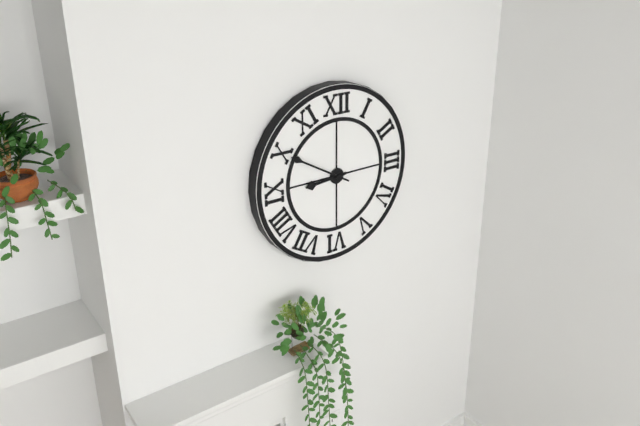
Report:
8:50
